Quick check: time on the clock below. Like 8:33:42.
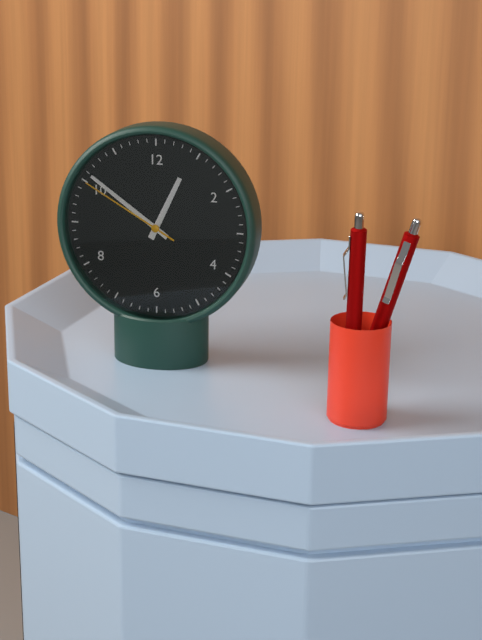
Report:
12:51:50
